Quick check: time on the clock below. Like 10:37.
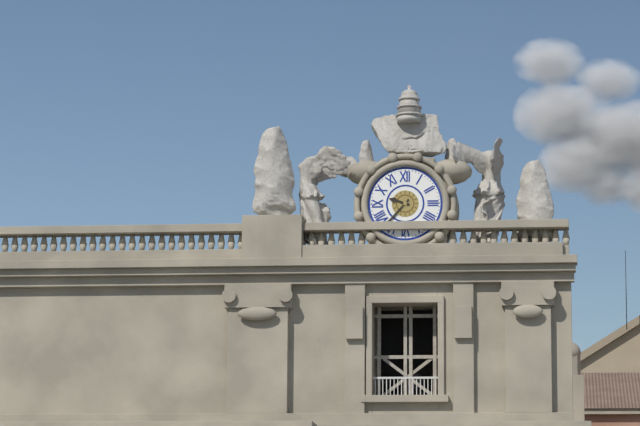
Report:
9:37
